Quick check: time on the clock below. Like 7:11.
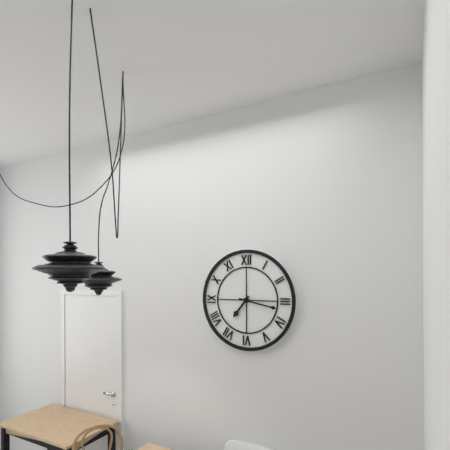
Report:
7:17
